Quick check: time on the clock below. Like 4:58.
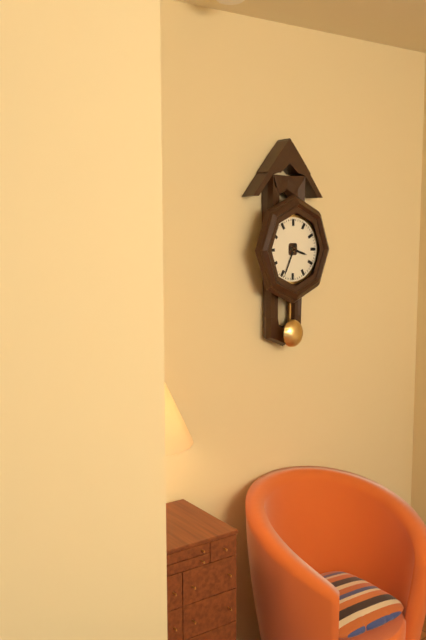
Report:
3:34
